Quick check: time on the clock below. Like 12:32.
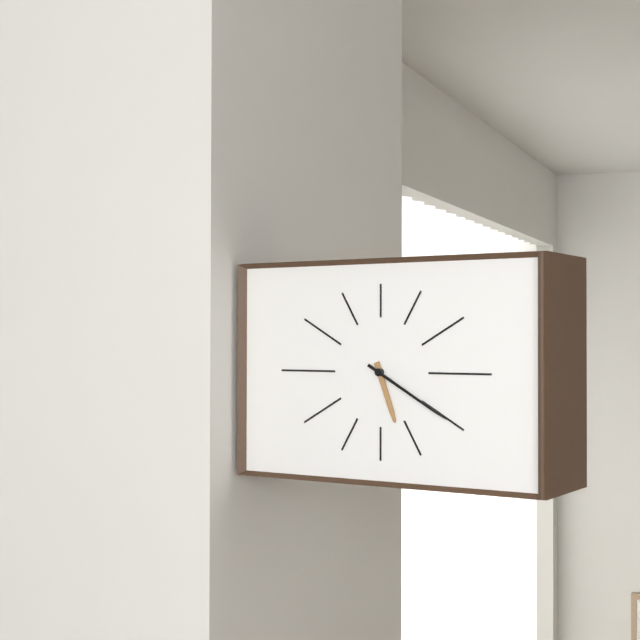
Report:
5:20
